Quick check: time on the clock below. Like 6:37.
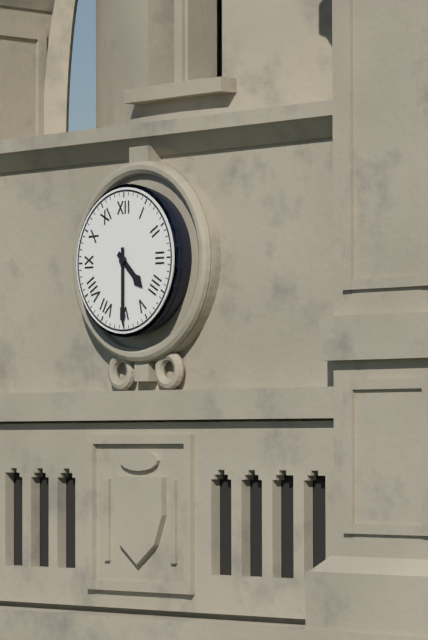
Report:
4:30
